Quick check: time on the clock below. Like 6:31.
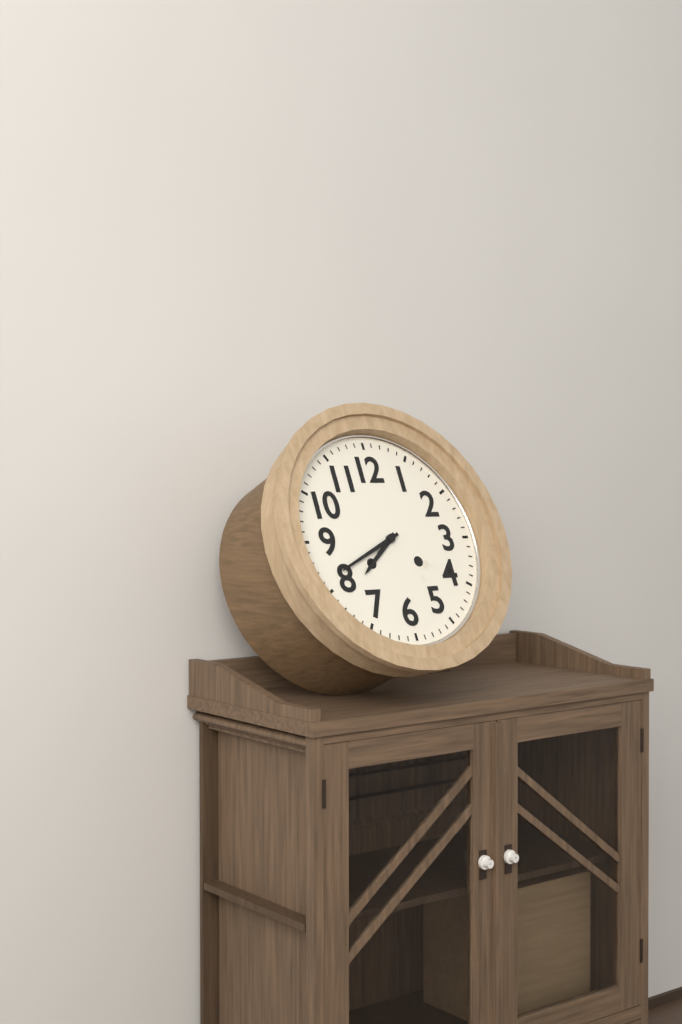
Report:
7:41
